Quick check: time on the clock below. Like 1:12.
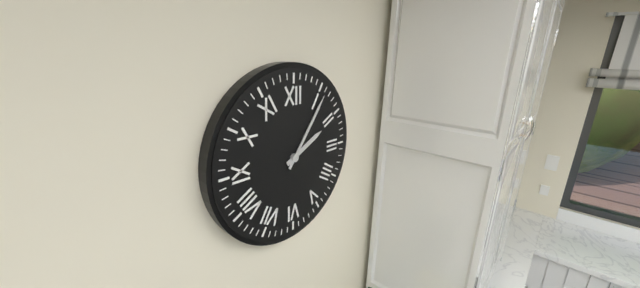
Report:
2:06
